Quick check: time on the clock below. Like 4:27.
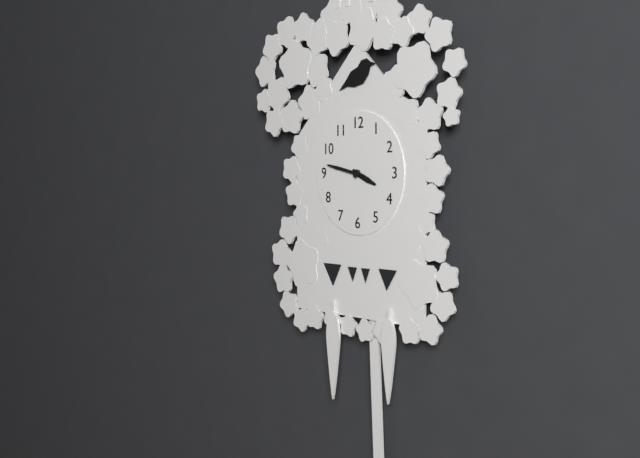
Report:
3:47
